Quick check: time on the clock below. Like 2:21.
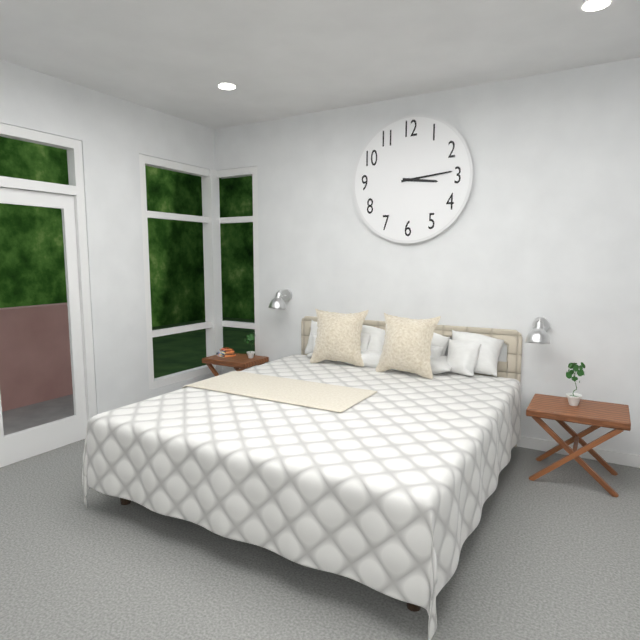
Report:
3:14
